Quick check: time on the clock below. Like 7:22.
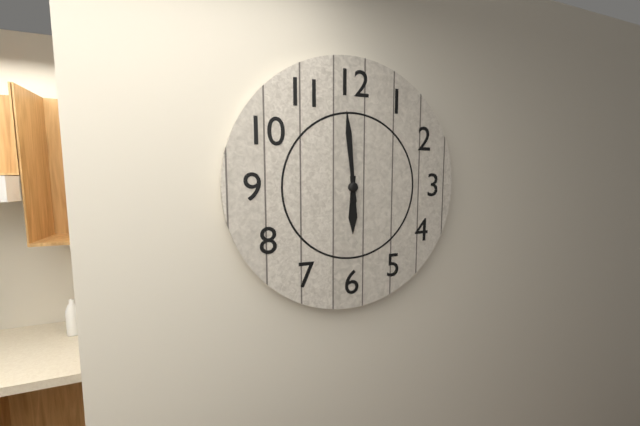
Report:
5:59
